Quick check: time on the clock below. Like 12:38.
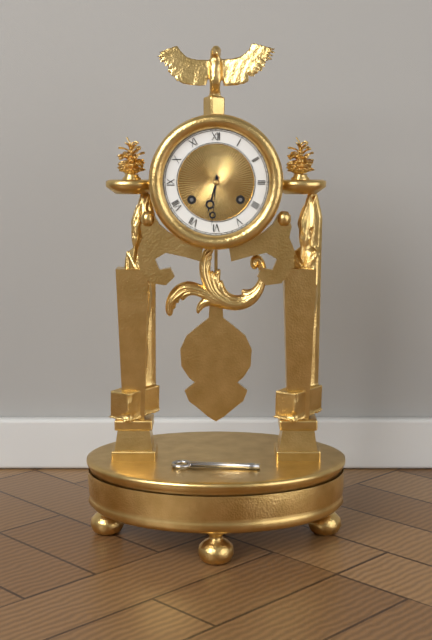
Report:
6:31
